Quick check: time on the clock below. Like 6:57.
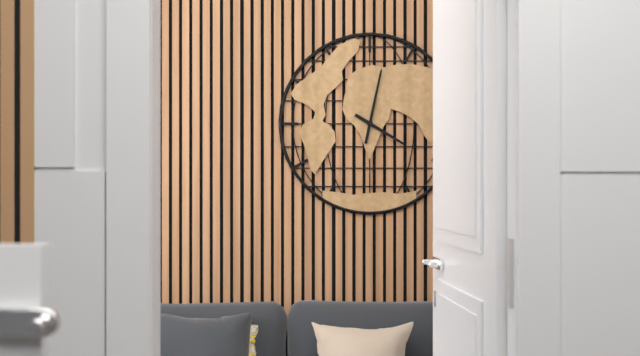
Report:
4:02
